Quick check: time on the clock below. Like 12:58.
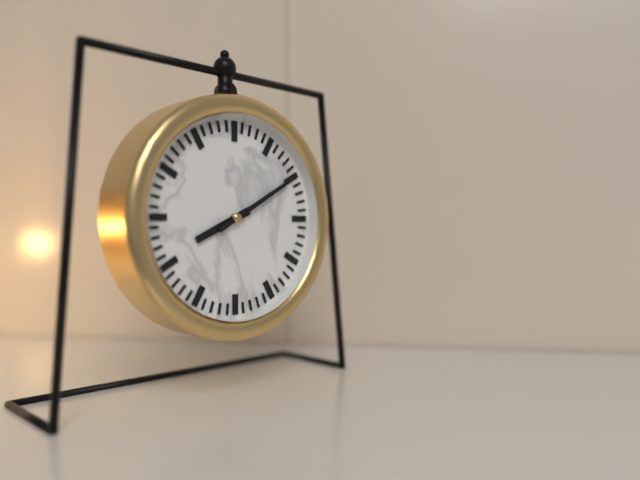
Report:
8:10
